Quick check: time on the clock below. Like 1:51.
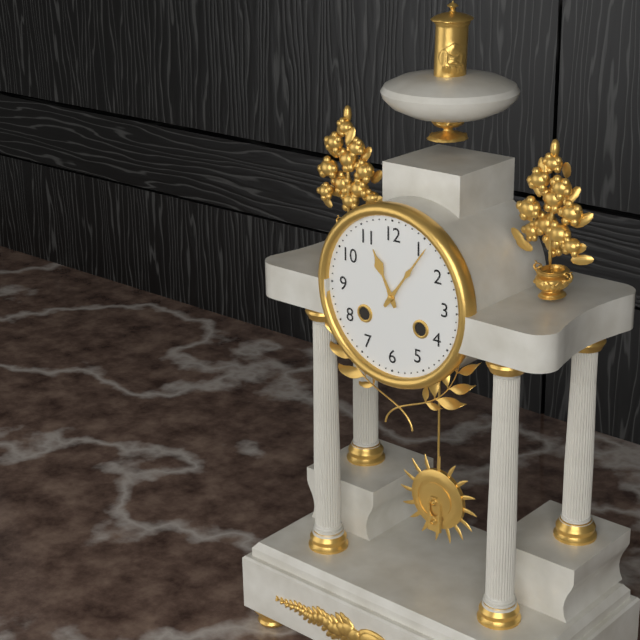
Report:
11:06
